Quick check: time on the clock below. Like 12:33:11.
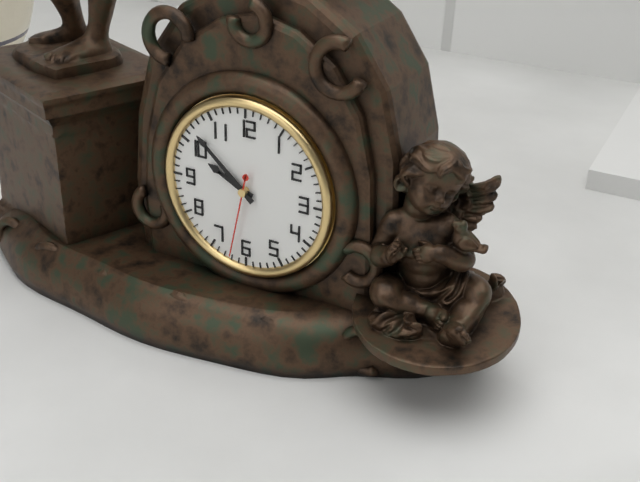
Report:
9:52:32
